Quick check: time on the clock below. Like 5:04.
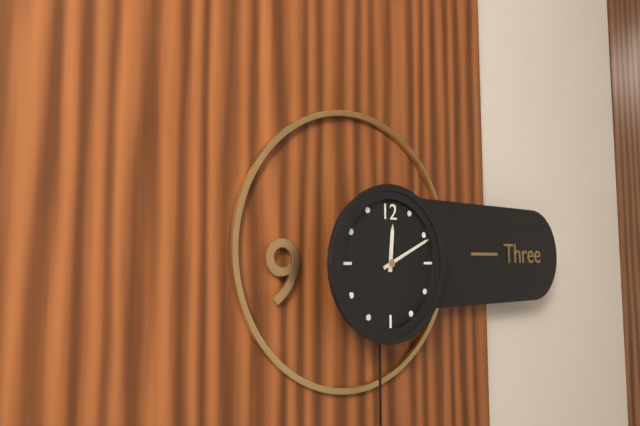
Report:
12:11
